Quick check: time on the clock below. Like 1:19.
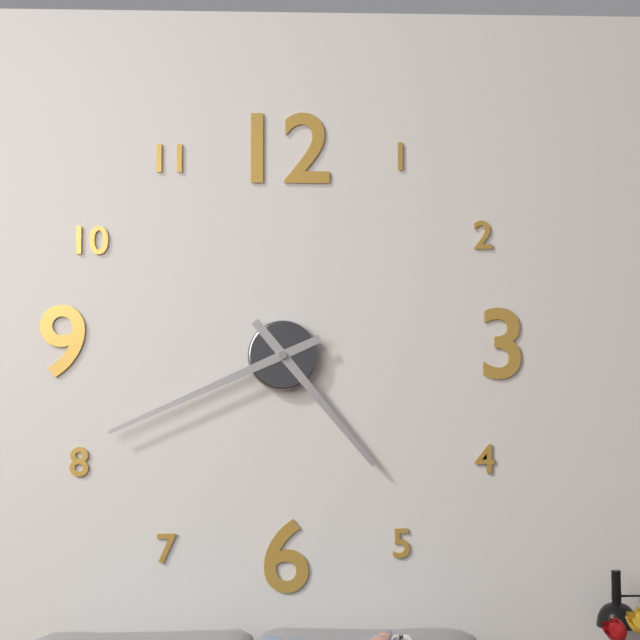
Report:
4:41
